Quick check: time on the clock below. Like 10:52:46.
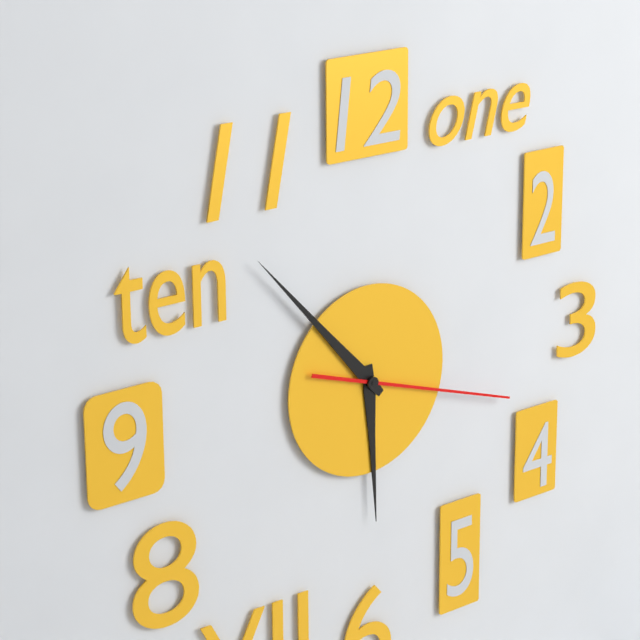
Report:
5:53:18
